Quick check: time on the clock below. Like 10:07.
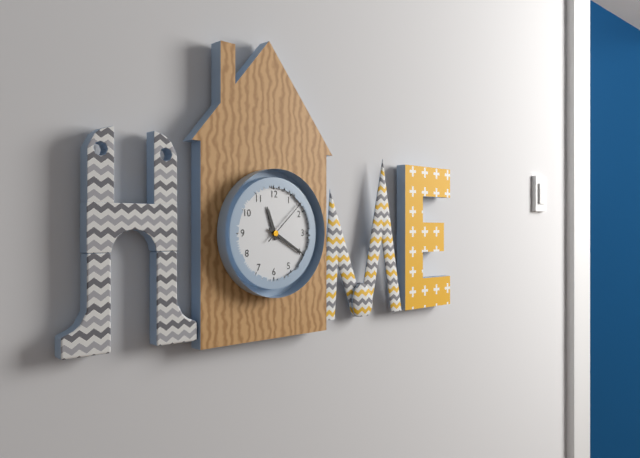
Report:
11:20
